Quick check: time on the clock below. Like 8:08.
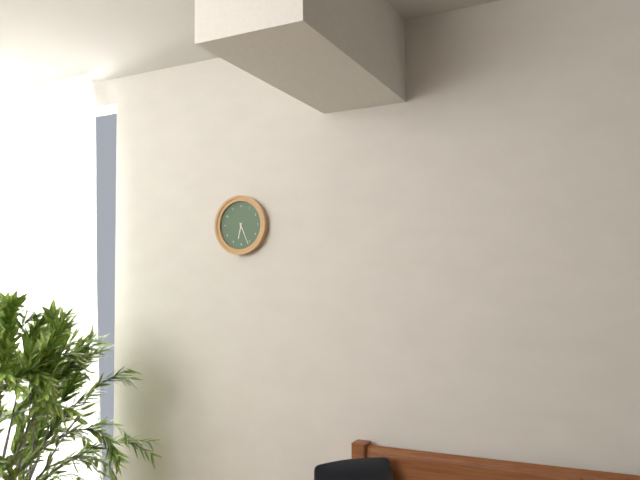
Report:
6:26
